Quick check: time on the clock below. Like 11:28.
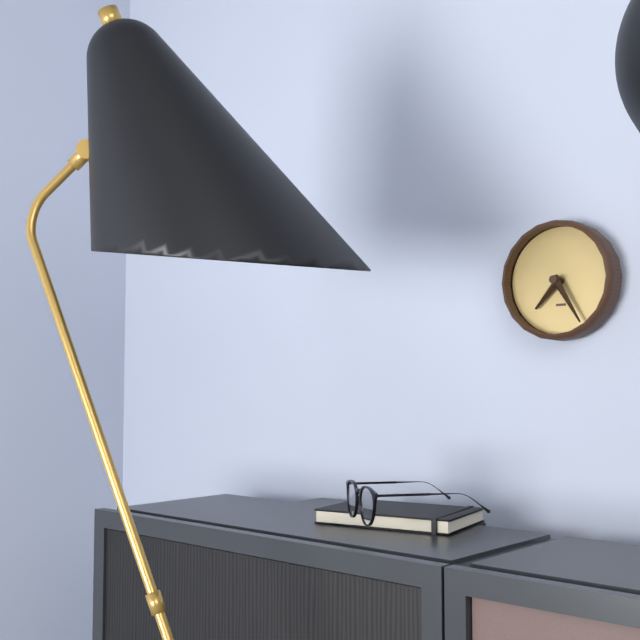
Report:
7:25
